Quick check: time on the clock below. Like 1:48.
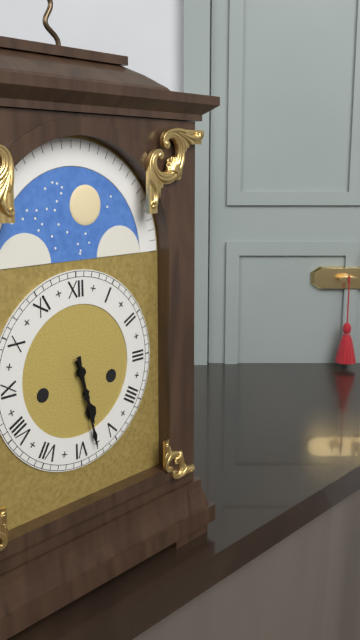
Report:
5:28
